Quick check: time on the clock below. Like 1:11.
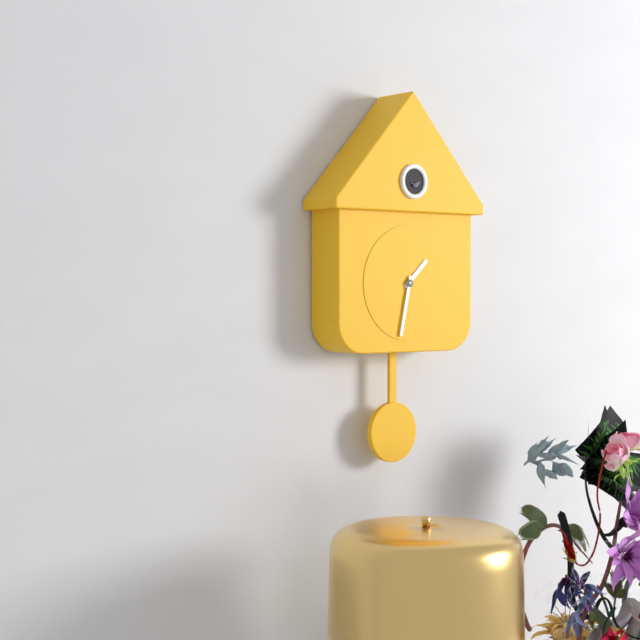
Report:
1:32
